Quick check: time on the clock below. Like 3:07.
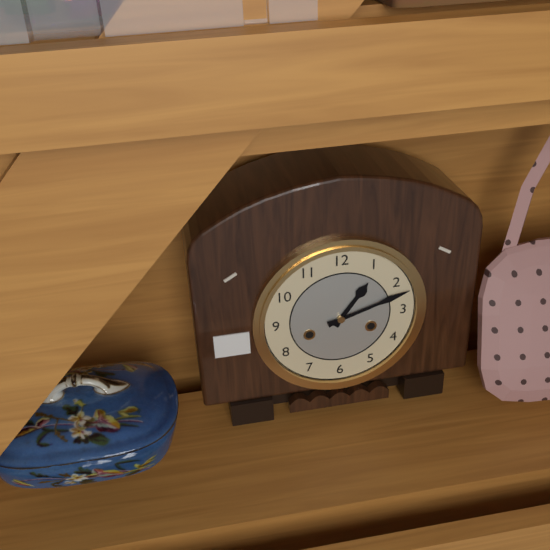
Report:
1:12
